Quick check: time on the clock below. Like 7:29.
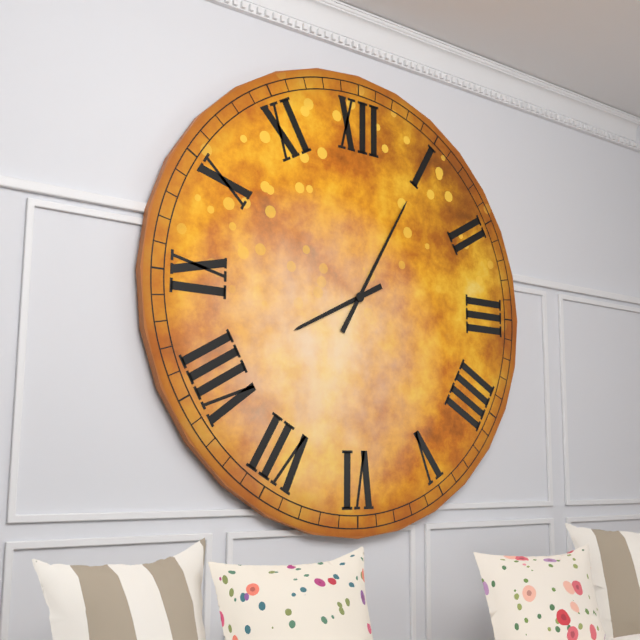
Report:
8:05
